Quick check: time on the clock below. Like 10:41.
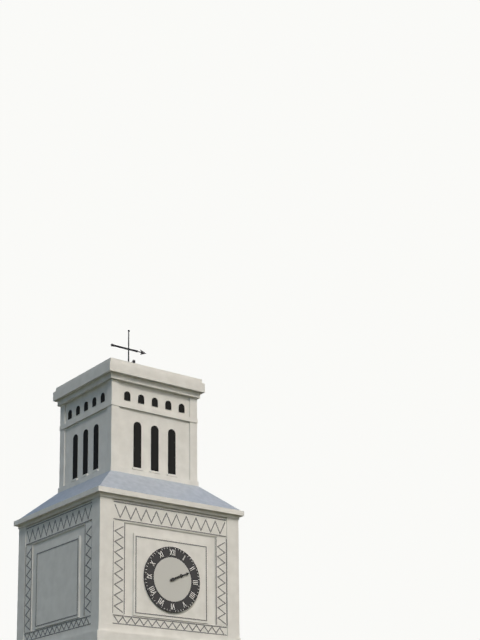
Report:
2:11
